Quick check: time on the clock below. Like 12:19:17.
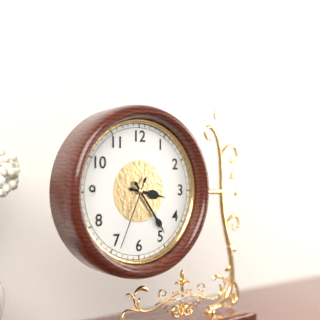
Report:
3:24:34
